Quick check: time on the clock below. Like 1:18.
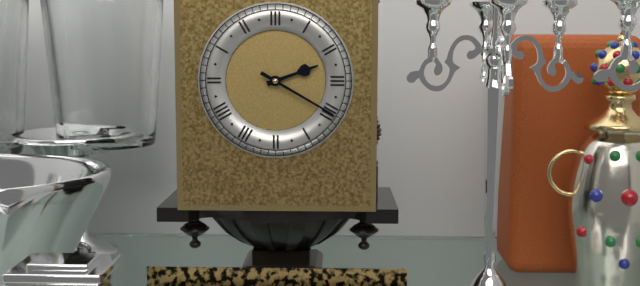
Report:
2:20
